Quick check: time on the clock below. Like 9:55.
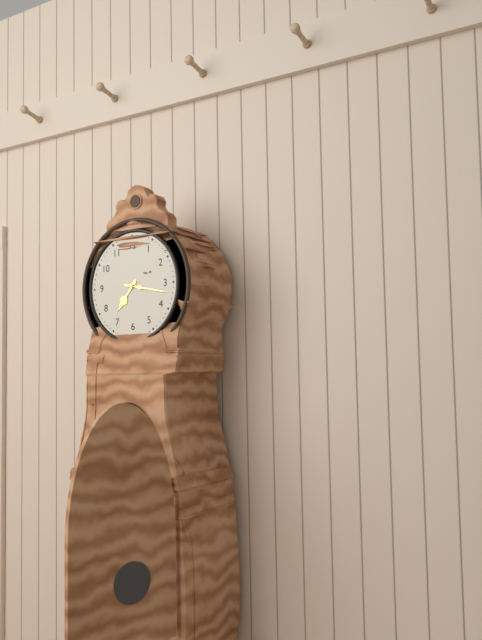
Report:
7:17
